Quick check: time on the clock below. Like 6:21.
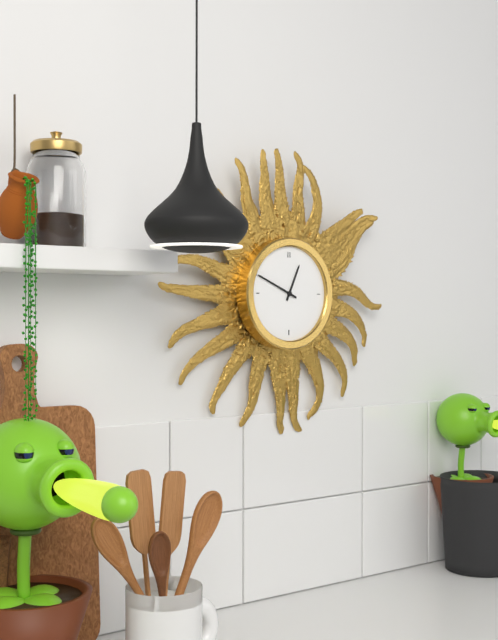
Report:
12:49
